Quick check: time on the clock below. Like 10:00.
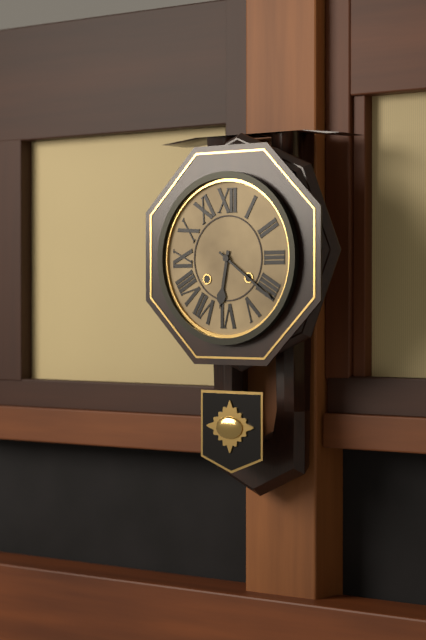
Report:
6:21
